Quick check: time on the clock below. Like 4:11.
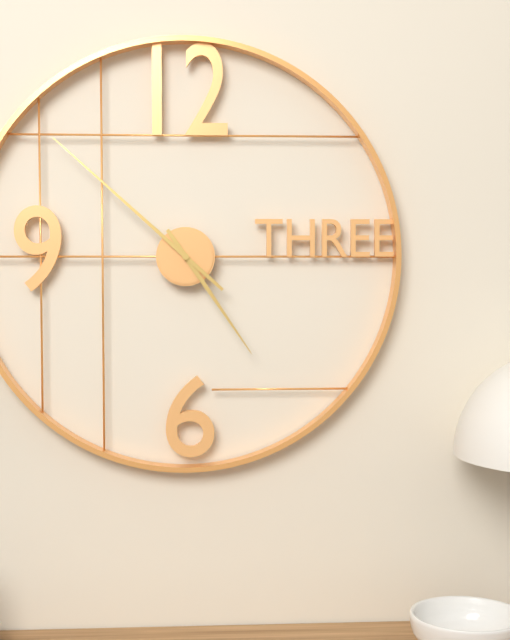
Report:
4:52
